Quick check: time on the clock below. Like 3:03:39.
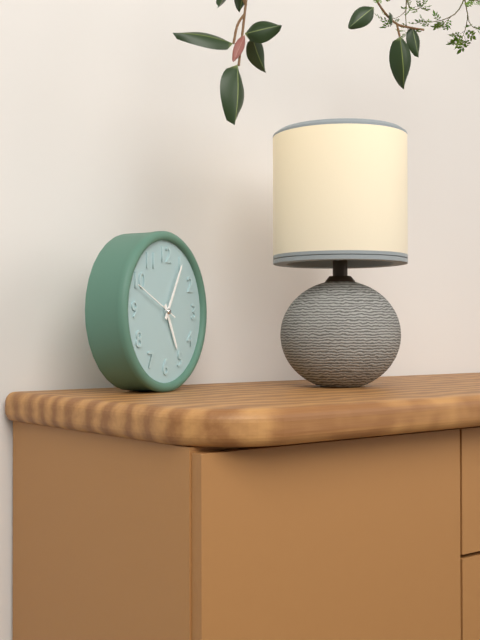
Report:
5:05:49
